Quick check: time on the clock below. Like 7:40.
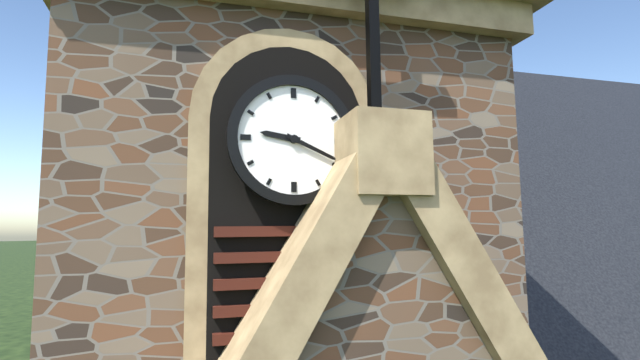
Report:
9:19
